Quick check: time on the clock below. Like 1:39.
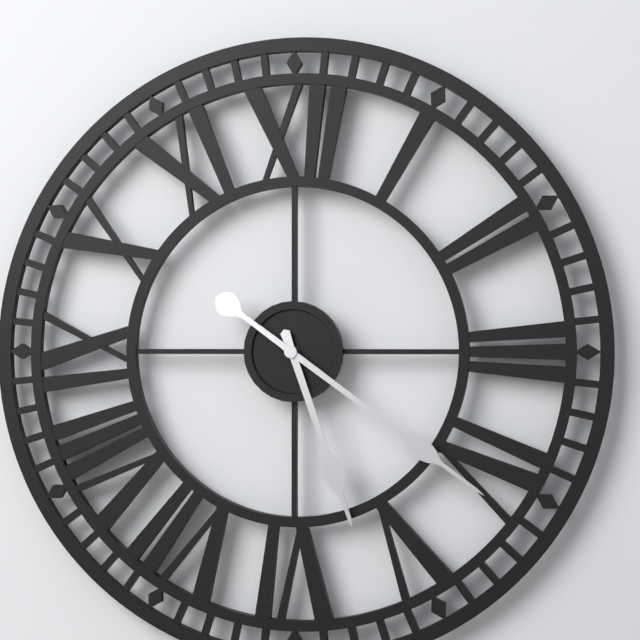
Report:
5:21
